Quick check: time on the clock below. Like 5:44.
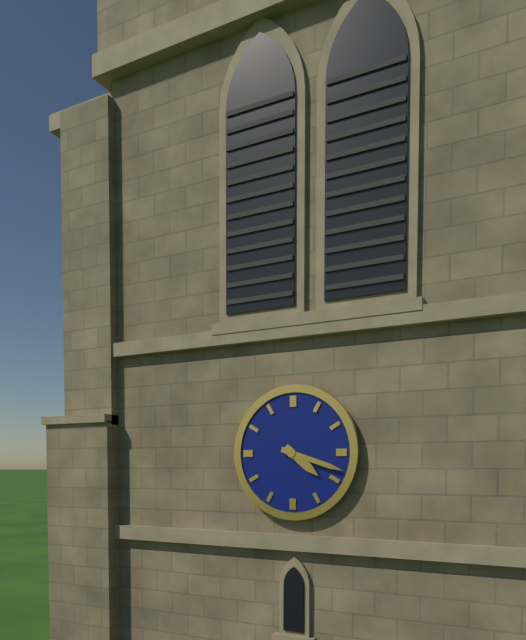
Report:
4:18
